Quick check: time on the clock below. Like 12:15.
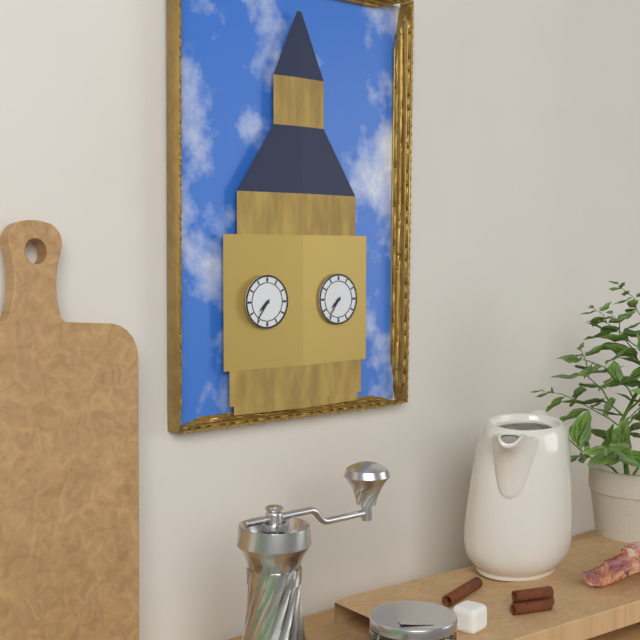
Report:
7:36
